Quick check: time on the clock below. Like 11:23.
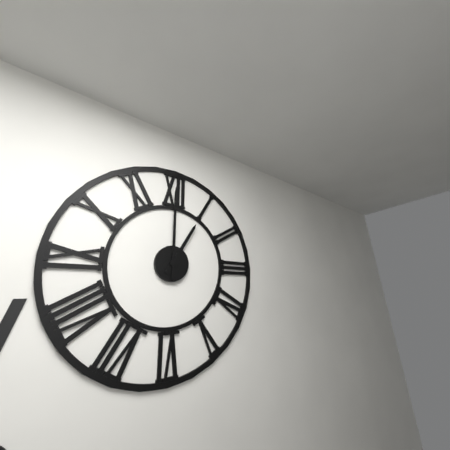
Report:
1:00
